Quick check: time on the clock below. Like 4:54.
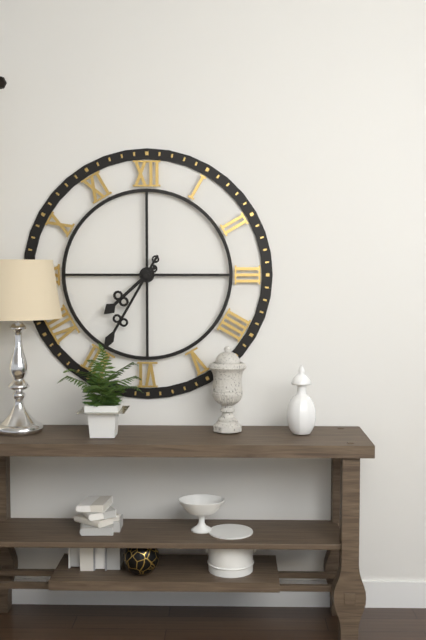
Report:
7:35
